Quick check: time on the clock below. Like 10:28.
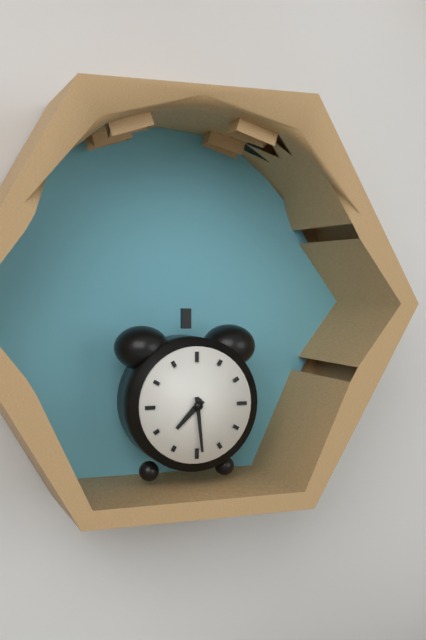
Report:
7:29
